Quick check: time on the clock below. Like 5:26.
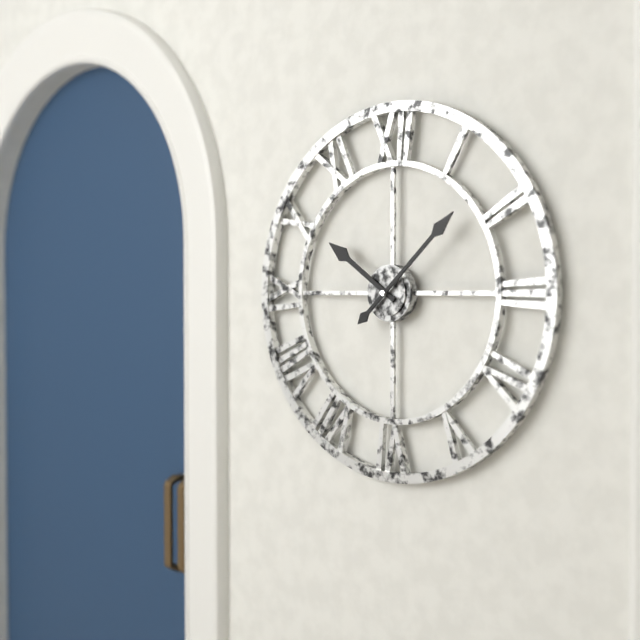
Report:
10:08
